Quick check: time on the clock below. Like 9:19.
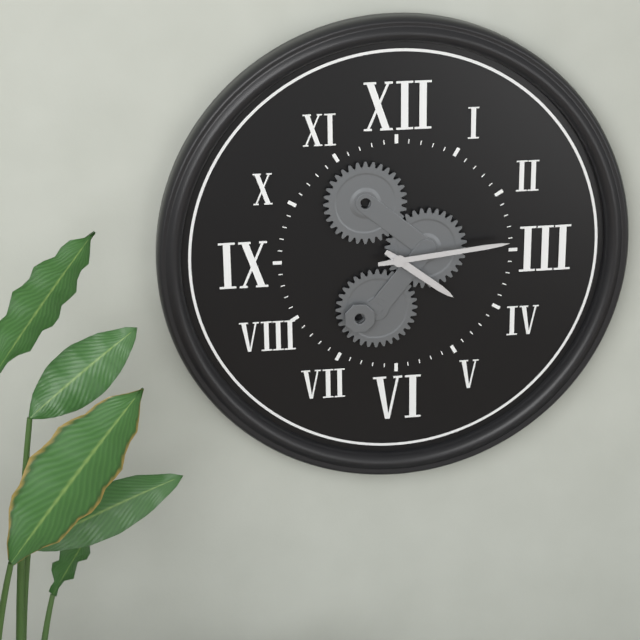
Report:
4:14
